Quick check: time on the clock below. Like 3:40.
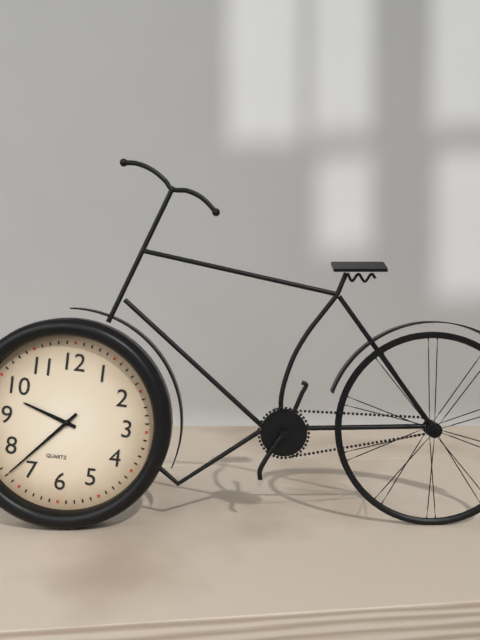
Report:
9:37
